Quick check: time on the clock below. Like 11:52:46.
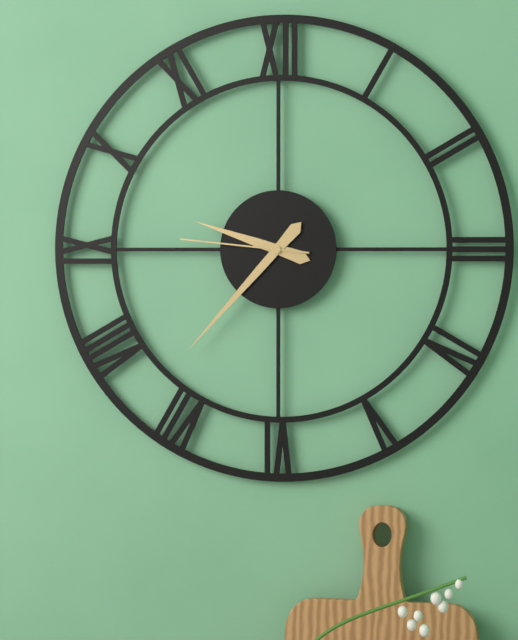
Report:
9:37:46
